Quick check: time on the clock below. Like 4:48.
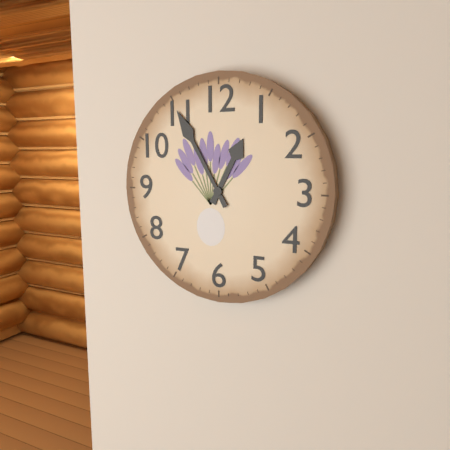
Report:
12:55
